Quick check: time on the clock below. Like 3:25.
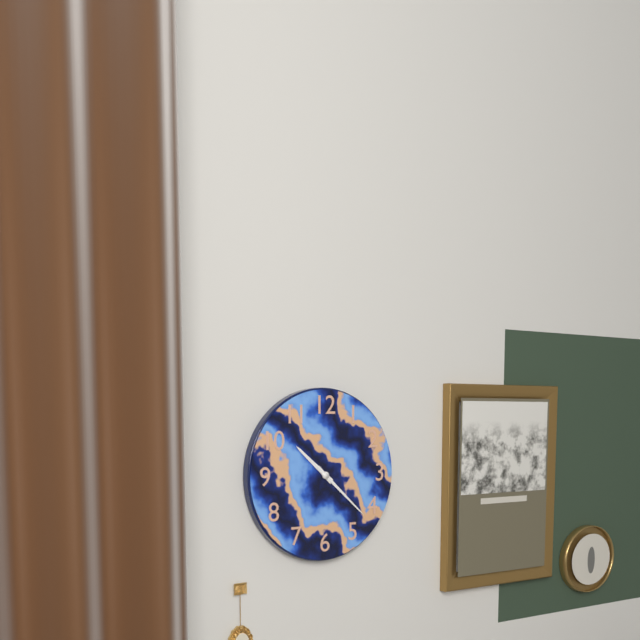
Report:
10:22
